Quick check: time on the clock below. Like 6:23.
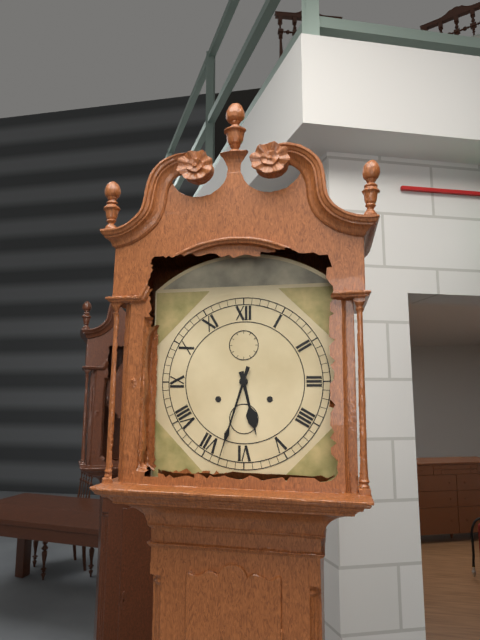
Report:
5:33
